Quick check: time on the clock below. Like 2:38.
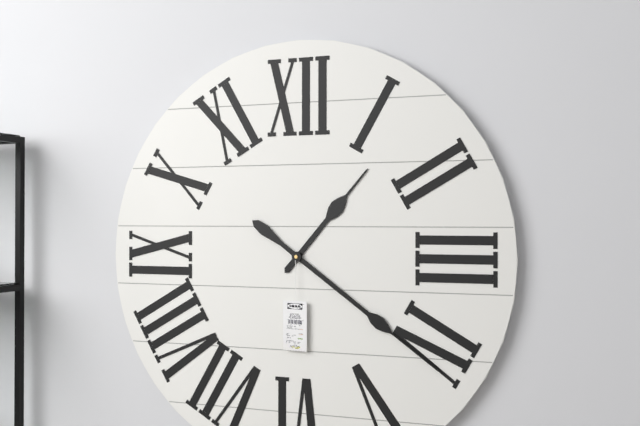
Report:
1:21
